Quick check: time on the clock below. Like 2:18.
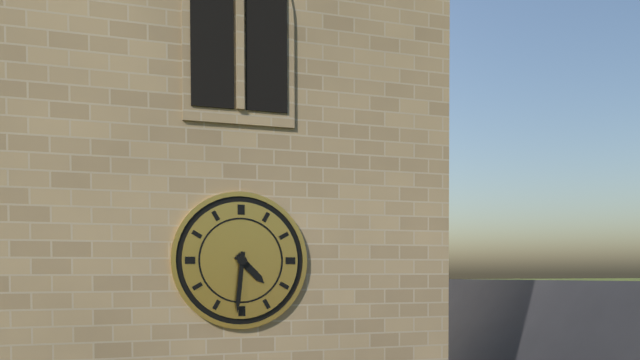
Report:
4:31
